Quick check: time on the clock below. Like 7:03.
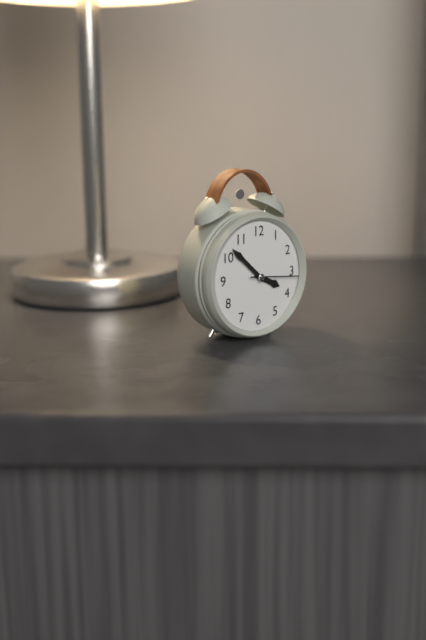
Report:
3:52
